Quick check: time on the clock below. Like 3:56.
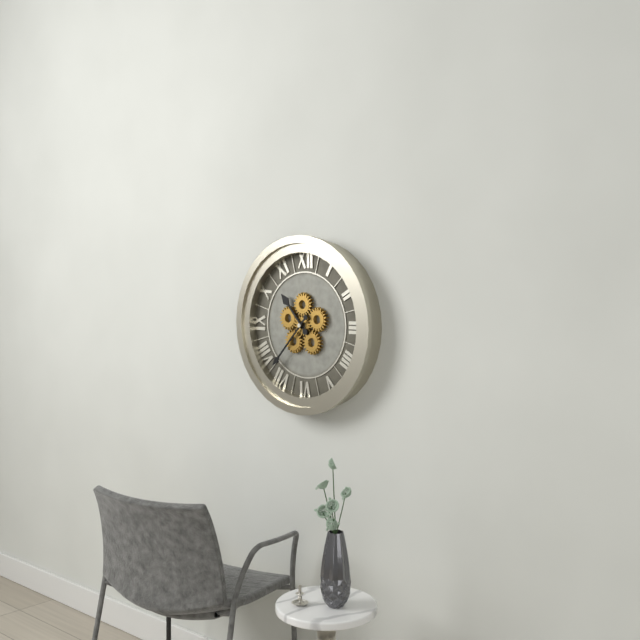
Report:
10:37
